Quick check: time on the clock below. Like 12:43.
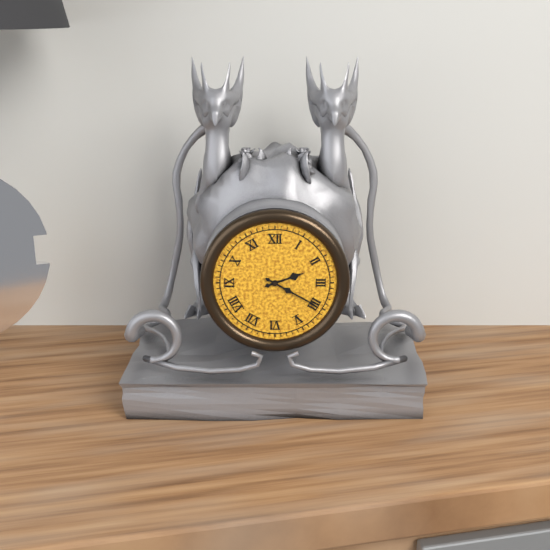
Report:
2:20
